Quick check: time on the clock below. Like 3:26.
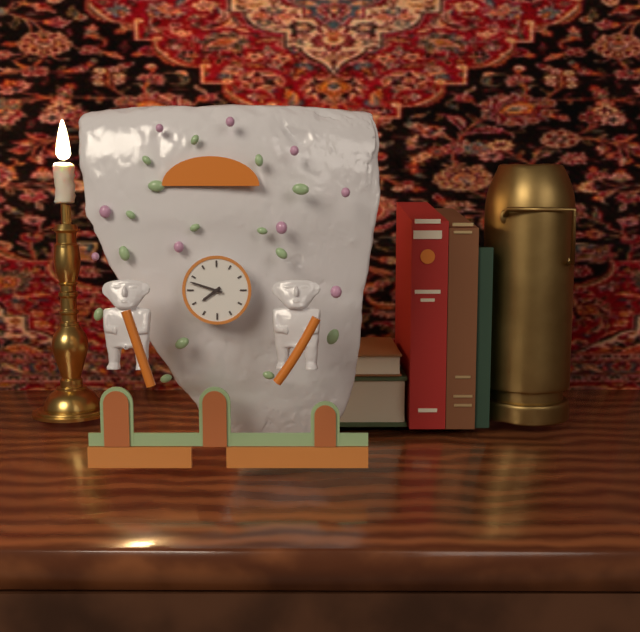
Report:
7:48
